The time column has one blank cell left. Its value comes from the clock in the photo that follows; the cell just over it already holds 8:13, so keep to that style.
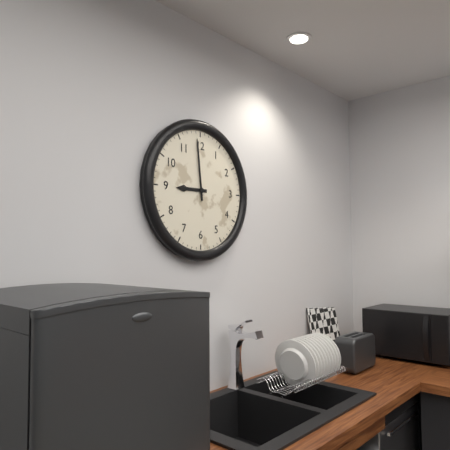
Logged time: 8:59
